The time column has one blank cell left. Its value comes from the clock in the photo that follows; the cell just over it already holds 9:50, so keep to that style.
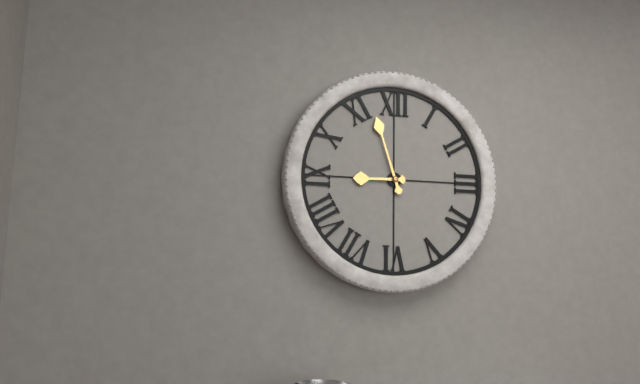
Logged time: 8:57
